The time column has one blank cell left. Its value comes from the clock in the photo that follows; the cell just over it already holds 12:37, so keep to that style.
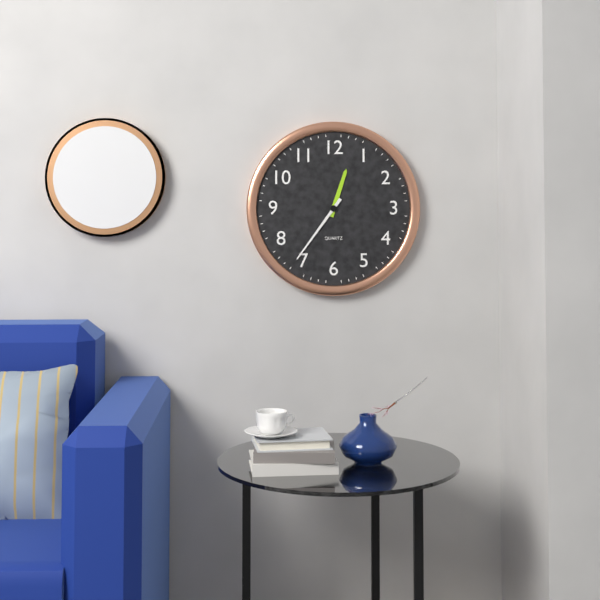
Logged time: 12:36
